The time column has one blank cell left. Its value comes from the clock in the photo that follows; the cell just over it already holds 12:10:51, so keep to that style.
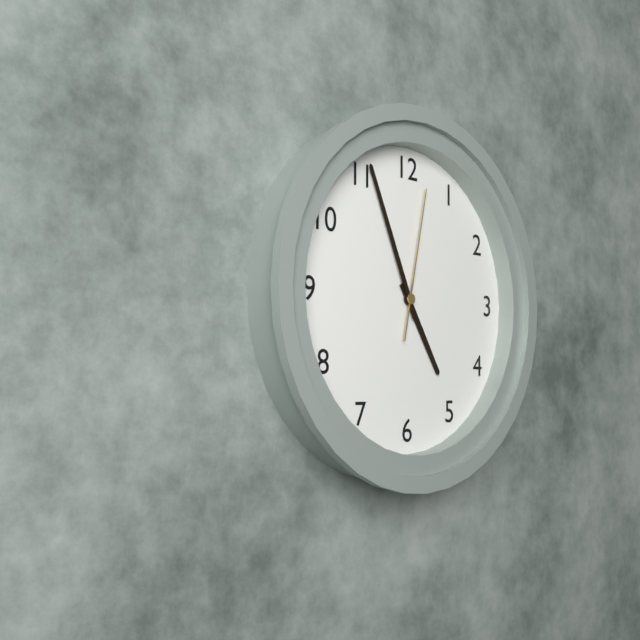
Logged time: 4:56:02
